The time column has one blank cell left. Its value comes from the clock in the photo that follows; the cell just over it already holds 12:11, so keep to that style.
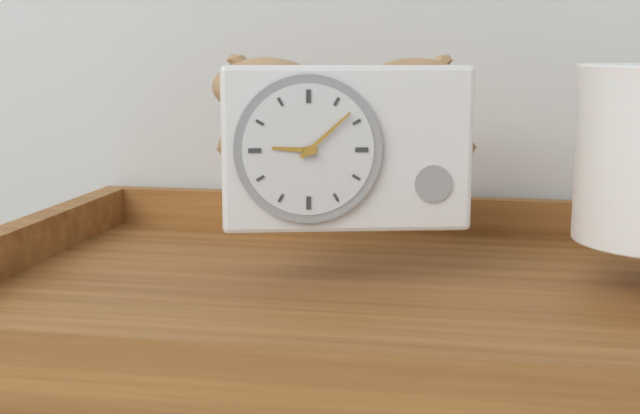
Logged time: 9:08
